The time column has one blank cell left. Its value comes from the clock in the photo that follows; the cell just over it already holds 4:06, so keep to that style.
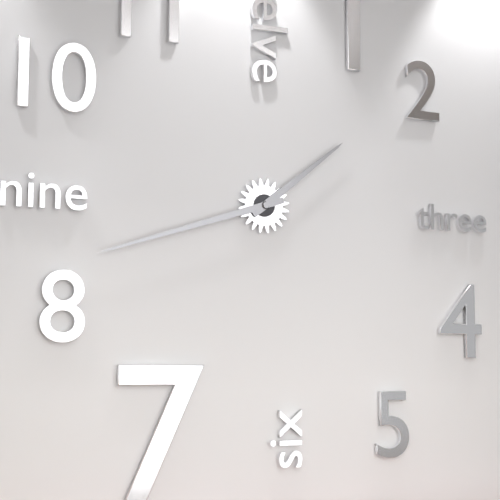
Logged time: 1:42
